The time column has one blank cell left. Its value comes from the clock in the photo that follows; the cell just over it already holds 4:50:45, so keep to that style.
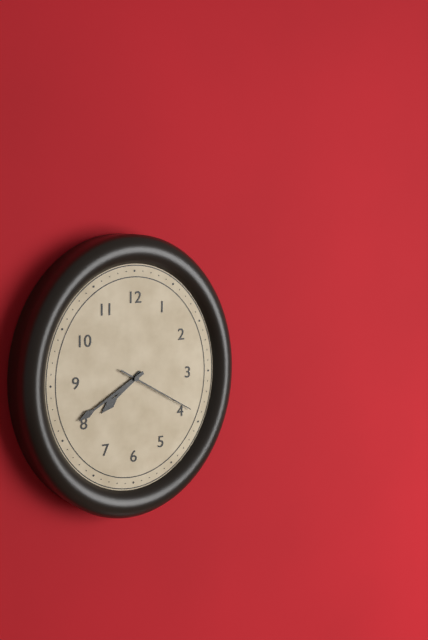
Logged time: 7:40:20
